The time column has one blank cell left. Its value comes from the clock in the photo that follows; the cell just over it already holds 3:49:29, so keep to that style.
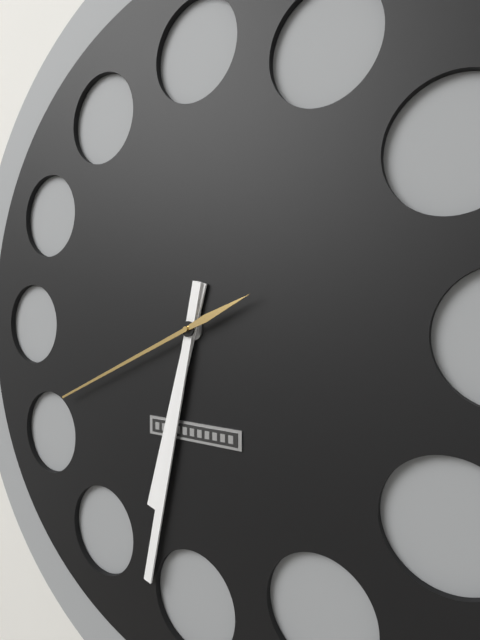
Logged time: 6:32:41
